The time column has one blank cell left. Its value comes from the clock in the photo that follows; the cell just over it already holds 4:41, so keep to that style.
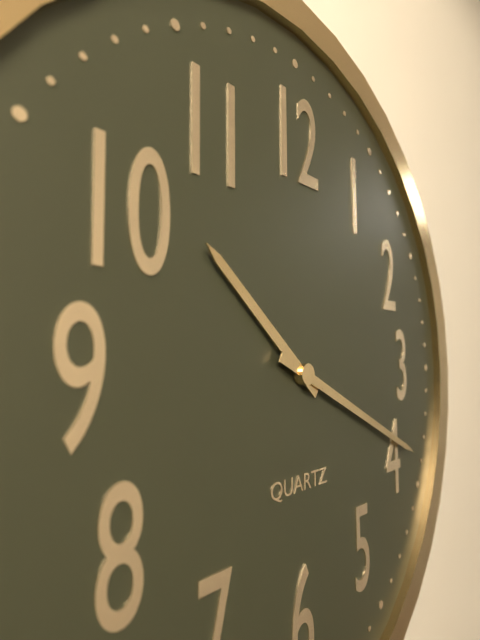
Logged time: 10:19
